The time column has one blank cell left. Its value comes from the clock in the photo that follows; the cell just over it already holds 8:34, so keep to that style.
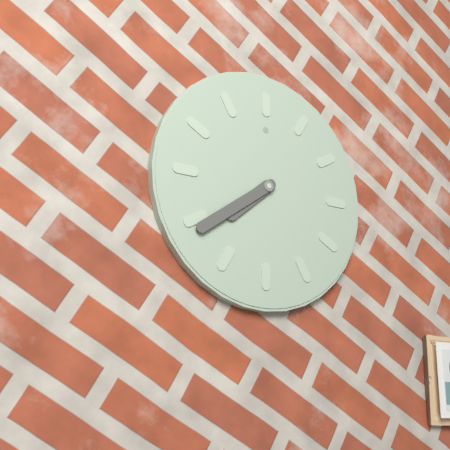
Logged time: 7:39
